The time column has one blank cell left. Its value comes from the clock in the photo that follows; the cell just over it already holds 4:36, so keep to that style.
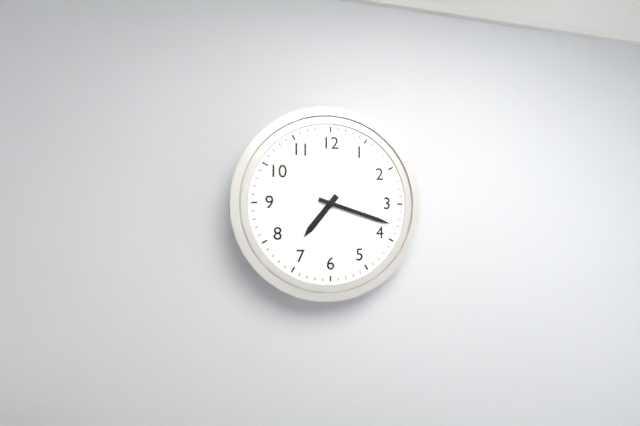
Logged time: 7:18
